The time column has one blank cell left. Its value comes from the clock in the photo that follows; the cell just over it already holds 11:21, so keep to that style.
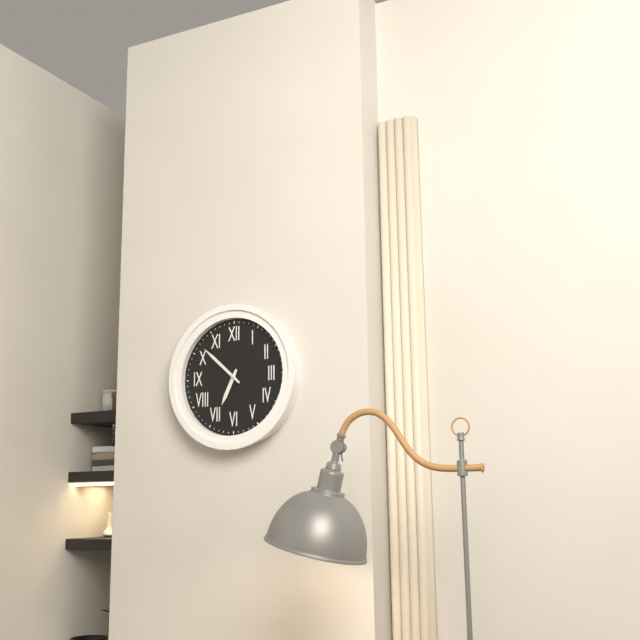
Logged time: 6:52
